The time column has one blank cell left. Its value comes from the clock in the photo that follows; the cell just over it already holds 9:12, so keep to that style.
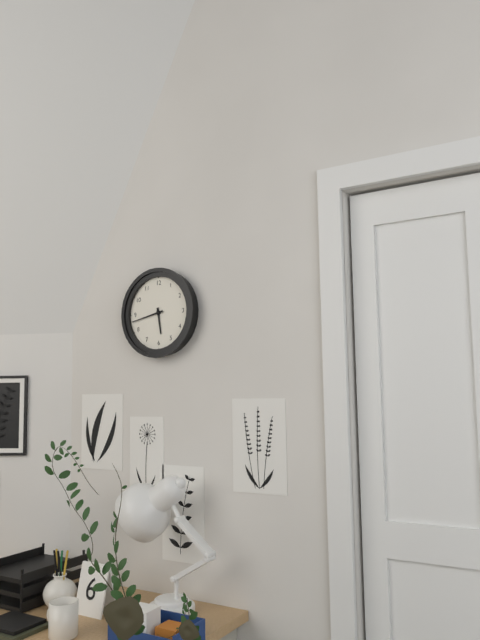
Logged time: 5:43
